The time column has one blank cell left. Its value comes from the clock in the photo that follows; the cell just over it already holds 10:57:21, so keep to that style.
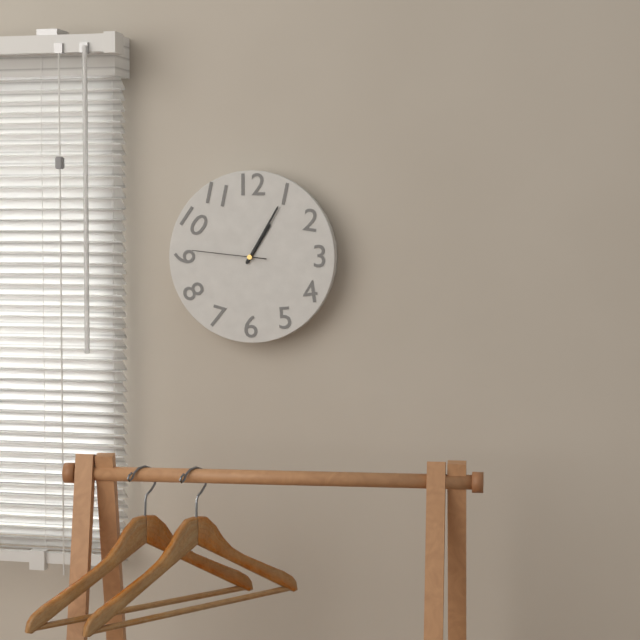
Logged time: 1:05:46
